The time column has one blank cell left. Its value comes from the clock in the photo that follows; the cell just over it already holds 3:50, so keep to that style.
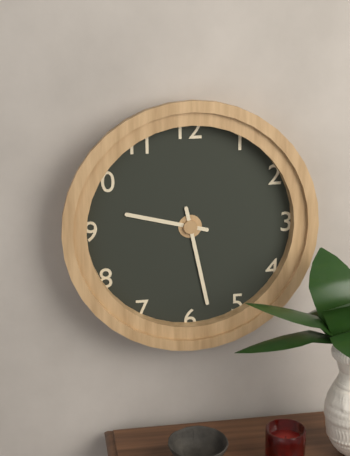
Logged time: 9:28
